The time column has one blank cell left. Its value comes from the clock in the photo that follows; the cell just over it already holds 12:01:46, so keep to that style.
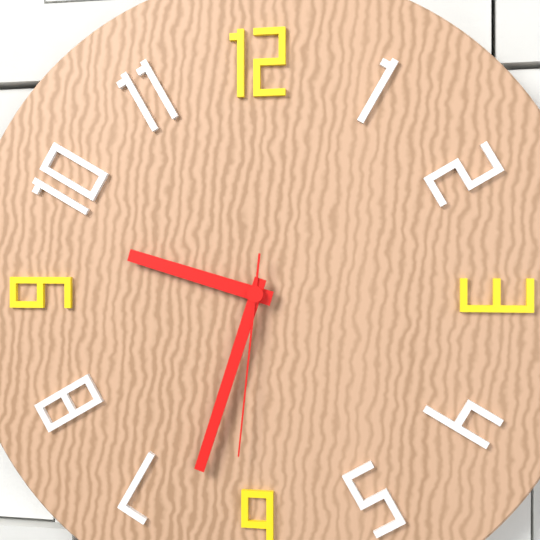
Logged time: 9:33:31
